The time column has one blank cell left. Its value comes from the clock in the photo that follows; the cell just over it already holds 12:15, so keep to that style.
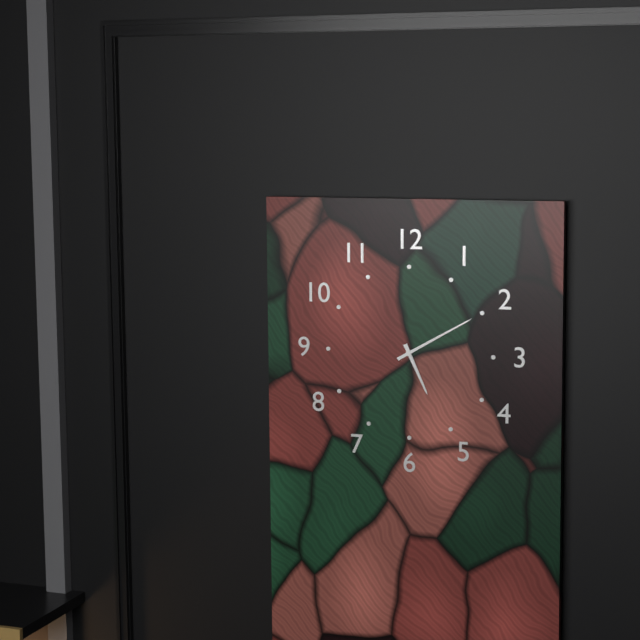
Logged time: 5:10
